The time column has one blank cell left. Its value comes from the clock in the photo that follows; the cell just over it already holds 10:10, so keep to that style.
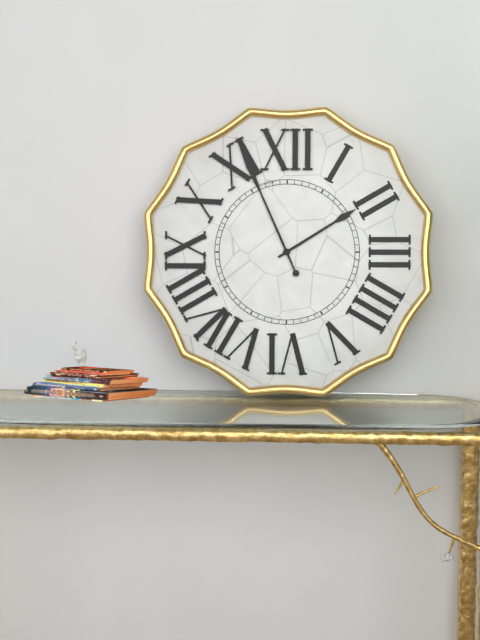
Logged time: 1:56
